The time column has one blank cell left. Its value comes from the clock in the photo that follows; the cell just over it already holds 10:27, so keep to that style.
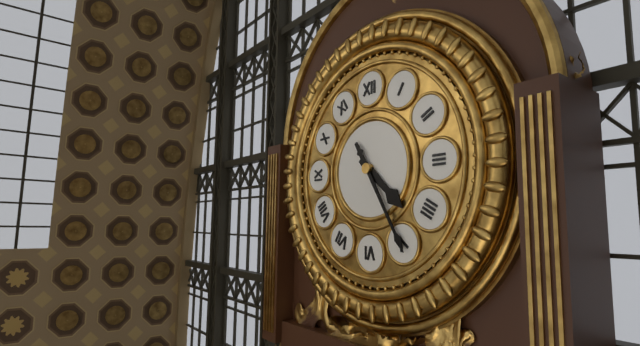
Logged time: 4:25
